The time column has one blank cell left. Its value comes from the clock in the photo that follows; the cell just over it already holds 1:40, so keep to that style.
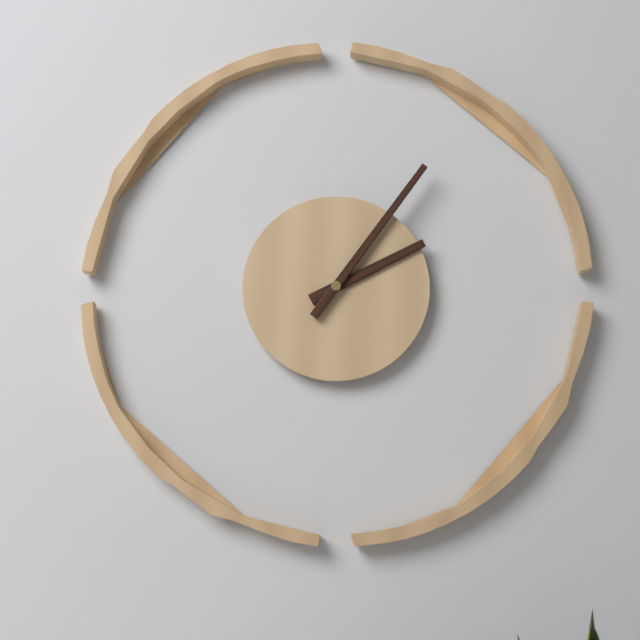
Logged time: 2:06
